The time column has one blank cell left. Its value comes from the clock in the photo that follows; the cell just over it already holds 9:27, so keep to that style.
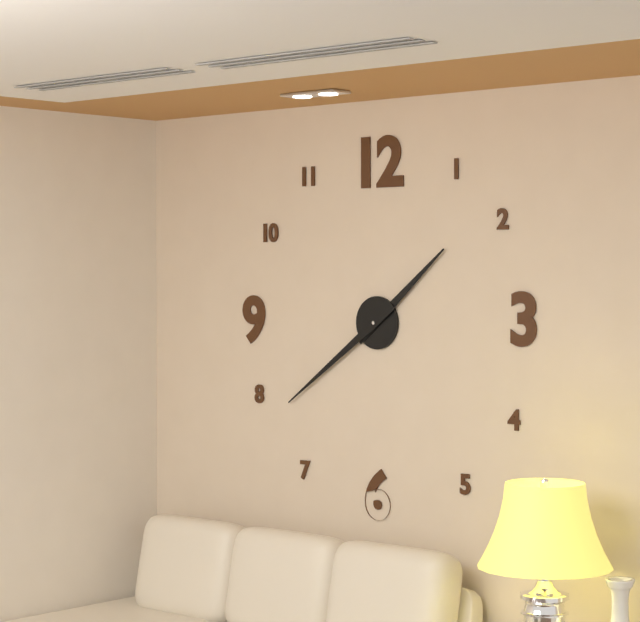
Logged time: 1:39
